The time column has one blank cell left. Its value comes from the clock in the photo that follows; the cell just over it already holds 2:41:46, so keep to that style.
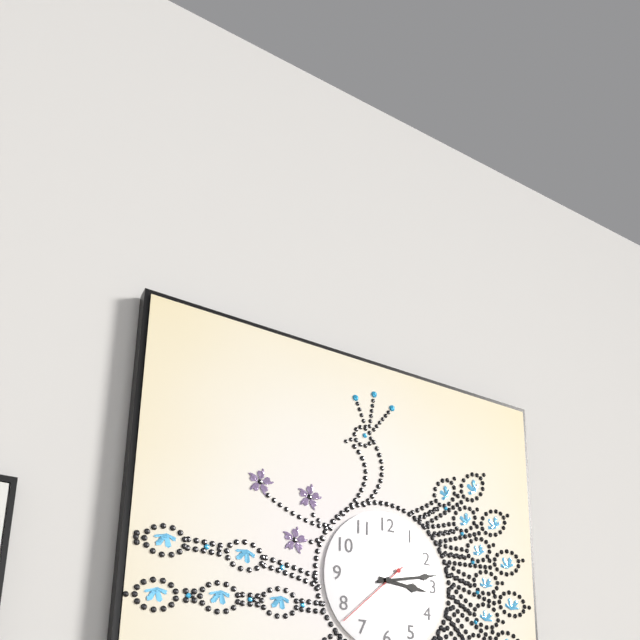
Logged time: 3:13:38
